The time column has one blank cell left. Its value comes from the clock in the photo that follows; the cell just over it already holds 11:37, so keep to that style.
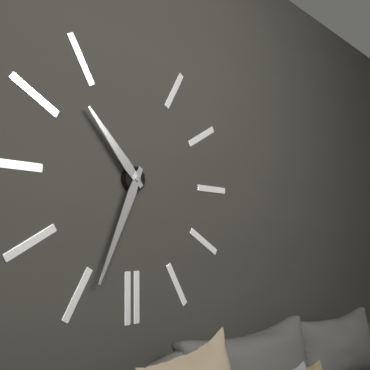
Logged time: 10:34
